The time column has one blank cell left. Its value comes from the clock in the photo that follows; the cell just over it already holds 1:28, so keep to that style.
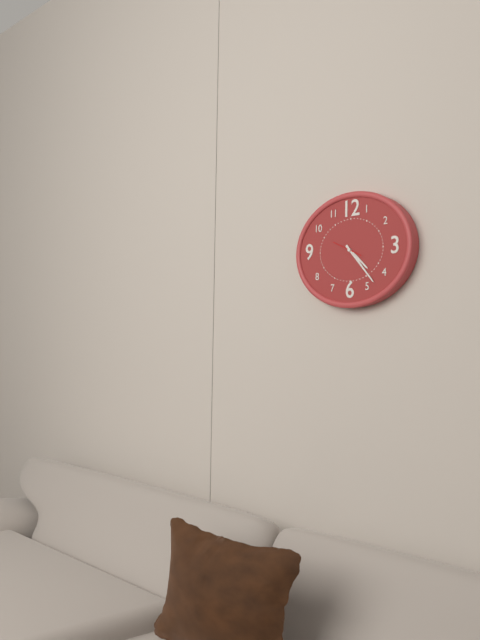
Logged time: 4:23
